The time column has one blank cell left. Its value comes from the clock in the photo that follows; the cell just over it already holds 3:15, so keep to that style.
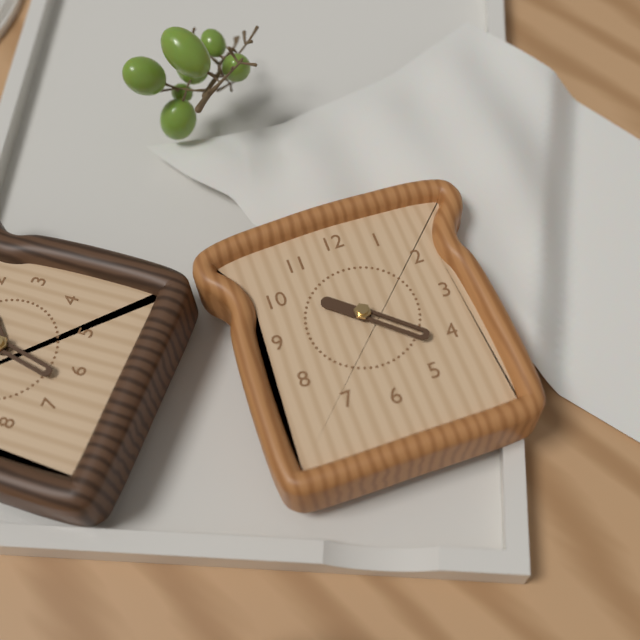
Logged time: 10:22
